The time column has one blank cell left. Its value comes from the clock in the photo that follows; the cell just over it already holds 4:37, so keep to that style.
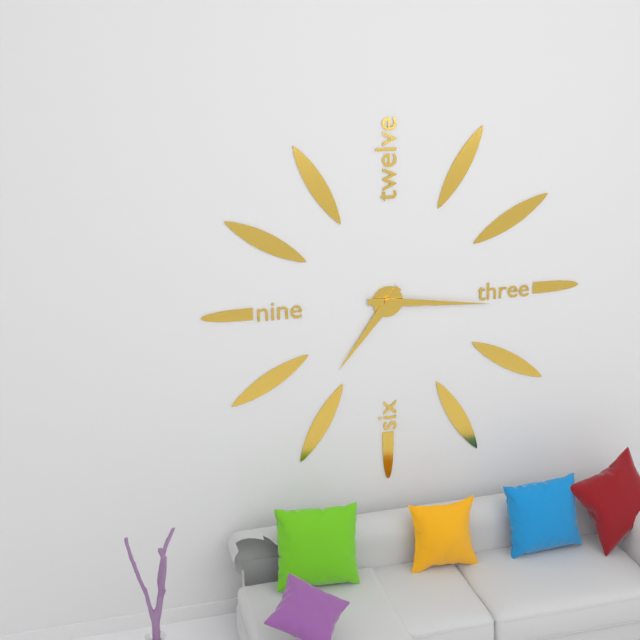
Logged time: 7:16
